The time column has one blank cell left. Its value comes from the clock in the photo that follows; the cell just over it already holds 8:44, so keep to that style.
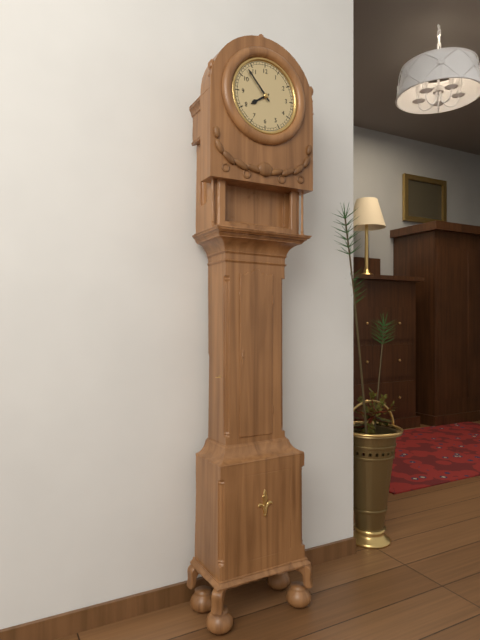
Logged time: 7:53
